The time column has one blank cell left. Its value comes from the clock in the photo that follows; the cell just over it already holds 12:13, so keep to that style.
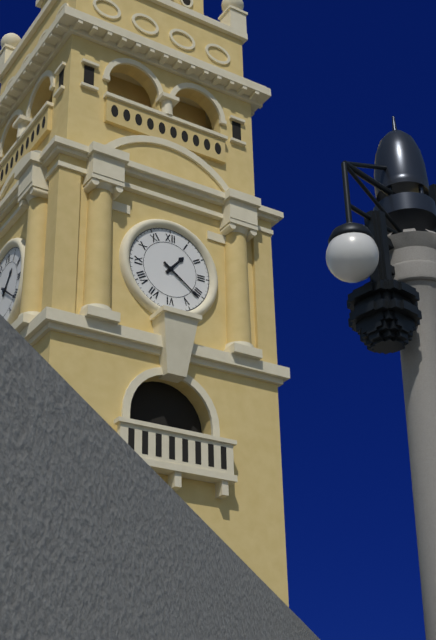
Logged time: 1:21
